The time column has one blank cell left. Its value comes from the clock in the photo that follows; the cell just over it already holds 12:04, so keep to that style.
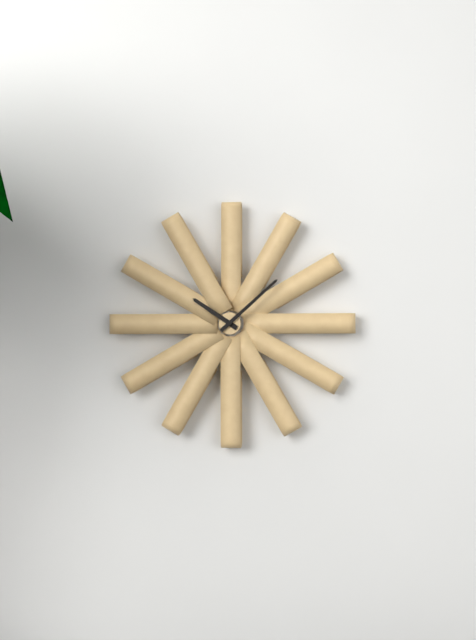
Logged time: 10:08
